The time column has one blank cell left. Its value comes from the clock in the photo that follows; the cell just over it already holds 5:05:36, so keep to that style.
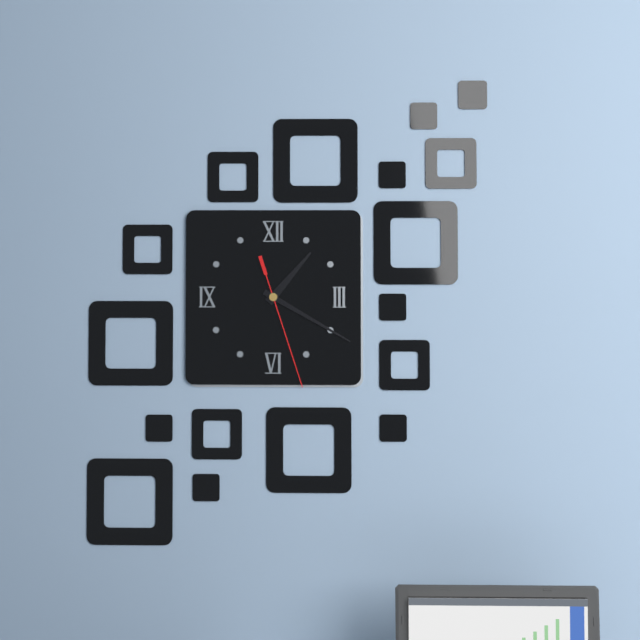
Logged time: 1:20:27
